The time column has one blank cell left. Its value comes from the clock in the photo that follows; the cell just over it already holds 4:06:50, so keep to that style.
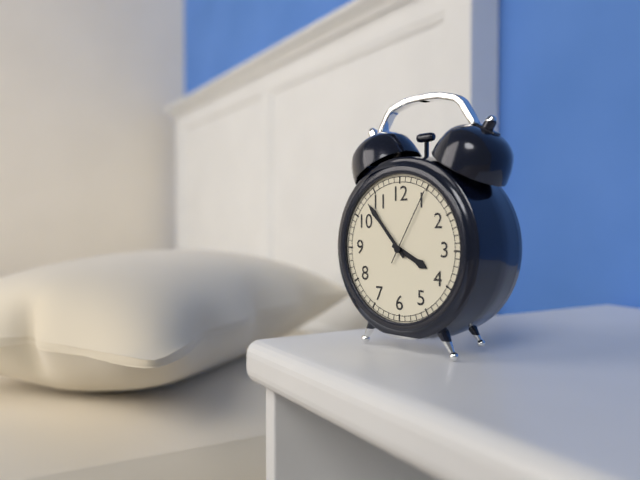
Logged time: 3:53:05
